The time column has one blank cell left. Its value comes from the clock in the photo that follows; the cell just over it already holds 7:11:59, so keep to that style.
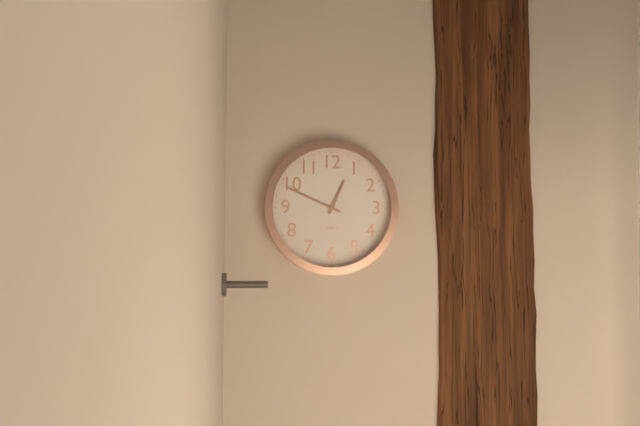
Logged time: 12:49:49
